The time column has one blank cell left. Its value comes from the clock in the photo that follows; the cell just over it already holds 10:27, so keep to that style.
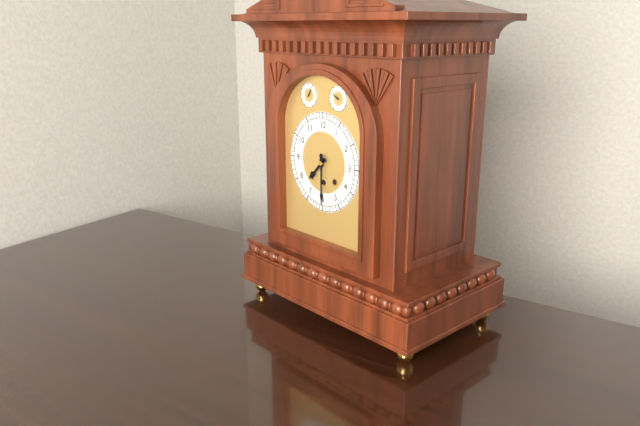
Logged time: 7:30
